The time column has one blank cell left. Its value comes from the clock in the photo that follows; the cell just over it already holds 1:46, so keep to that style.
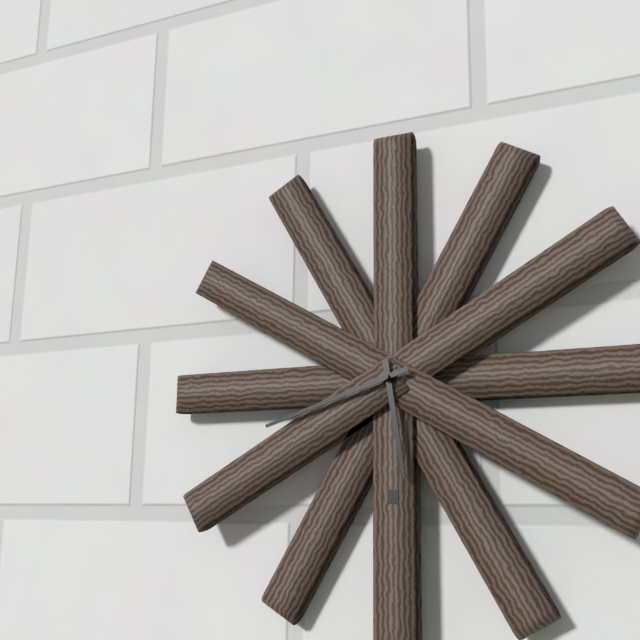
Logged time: 5:42
